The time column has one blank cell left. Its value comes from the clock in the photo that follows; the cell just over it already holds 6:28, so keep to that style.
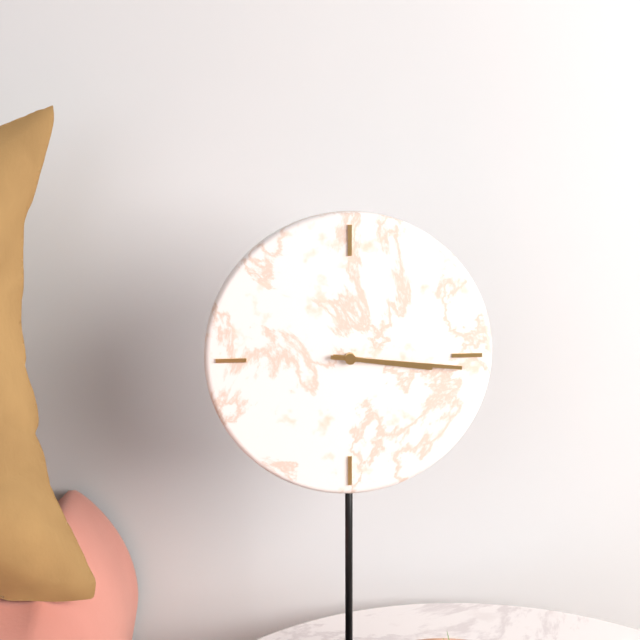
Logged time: 3:16
